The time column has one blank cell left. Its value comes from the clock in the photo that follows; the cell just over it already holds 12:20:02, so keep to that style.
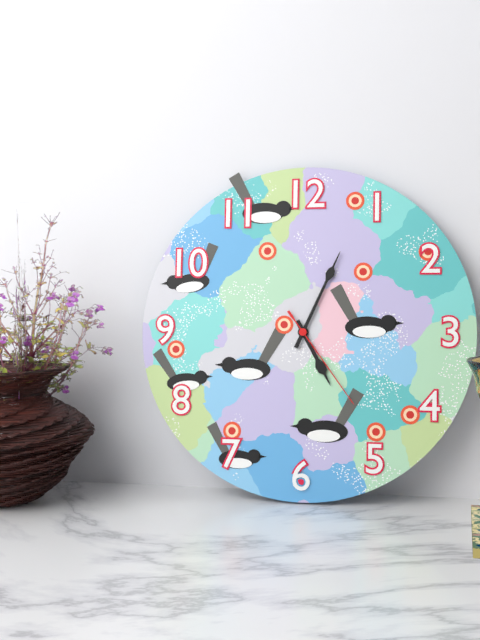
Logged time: 5:04:24
